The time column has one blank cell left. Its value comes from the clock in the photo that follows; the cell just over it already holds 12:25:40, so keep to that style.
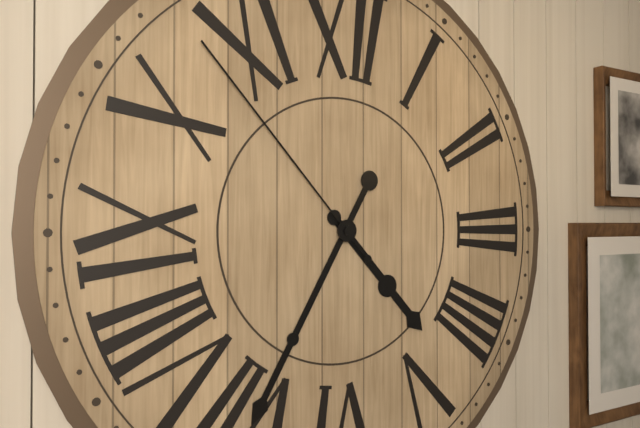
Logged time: 4:35:53
